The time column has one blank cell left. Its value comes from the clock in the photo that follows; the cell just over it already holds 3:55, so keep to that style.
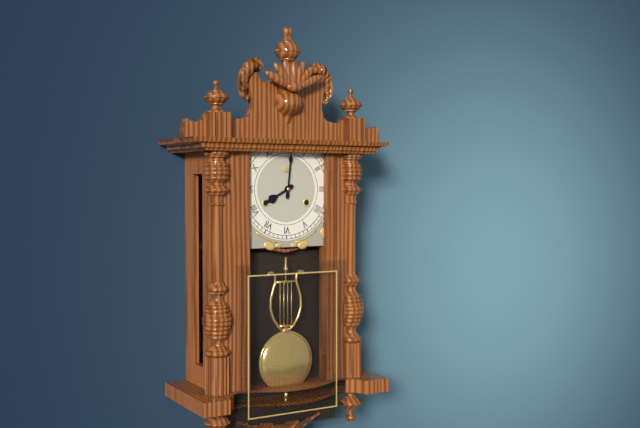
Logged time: 8:01
